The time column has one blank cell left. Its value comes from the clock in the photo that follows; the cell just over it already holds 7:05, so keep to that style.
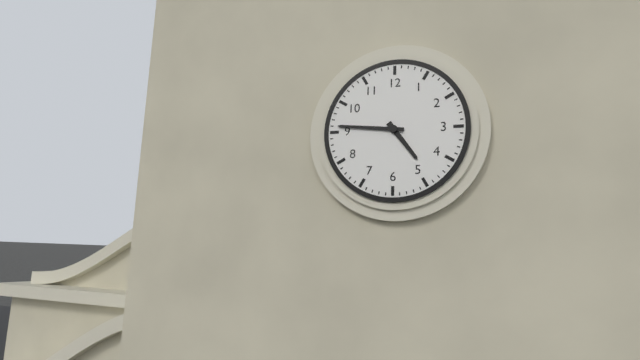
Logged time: 4:46
